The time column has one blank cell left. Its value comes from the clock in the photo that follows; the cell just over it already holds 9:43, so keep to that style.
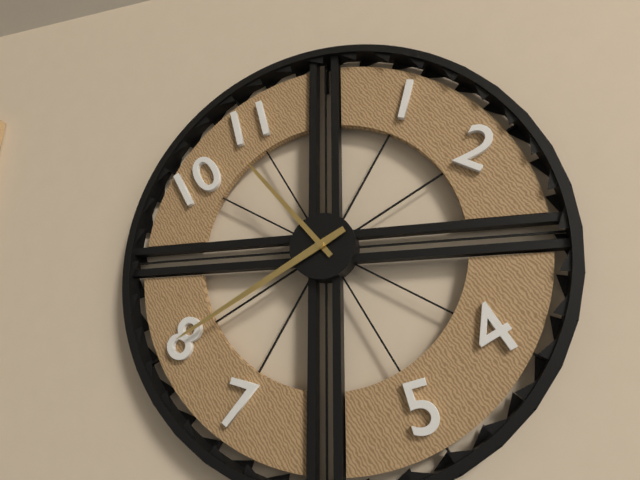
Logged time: 10:40
